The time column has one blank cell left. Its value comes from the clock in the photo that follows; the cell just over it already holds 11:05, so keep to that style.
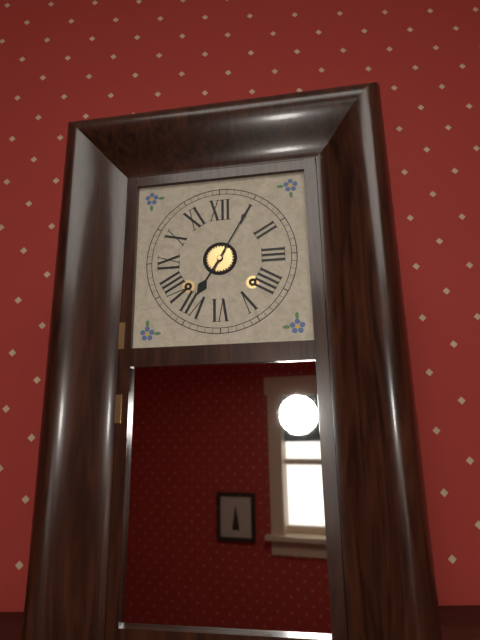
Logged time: 7:05
